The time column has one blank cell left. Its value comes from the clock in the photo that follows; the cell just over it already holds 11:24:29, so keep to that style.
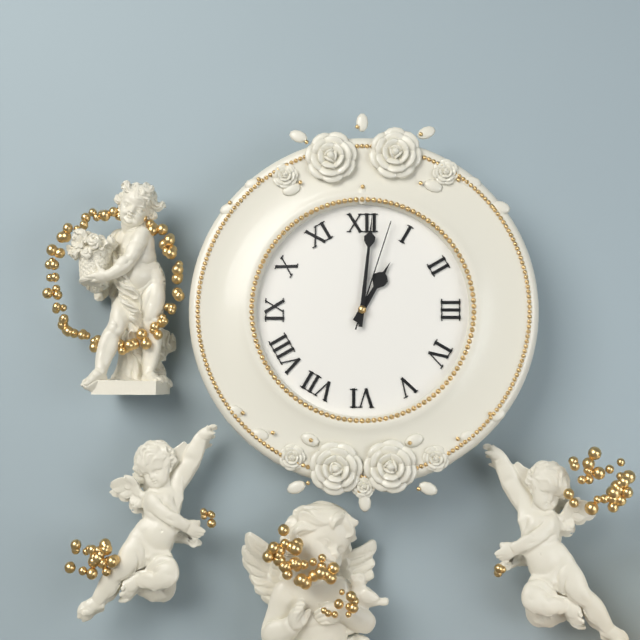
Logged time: 1:01:03
